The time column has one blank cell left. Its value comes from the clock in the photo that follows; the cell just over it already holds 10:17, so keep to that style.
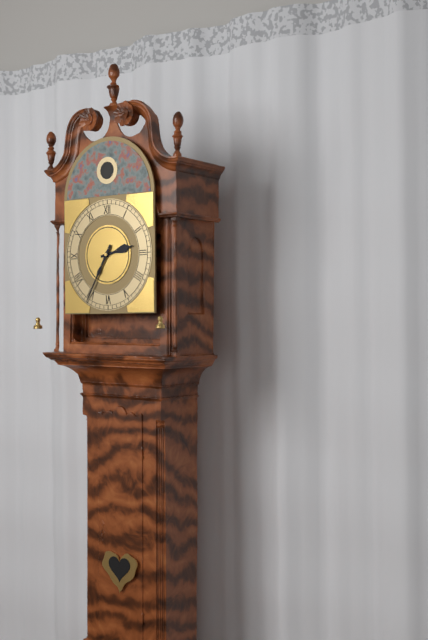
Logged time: 2:35
